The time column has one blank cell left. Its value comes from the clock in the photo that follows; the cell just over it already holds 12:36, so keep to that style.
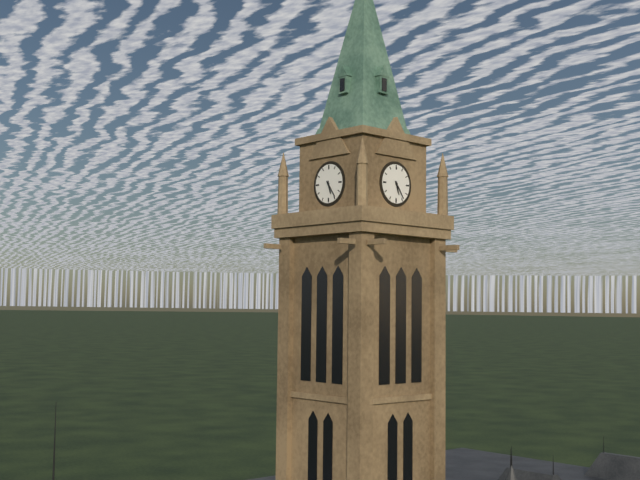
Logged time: 5:24
